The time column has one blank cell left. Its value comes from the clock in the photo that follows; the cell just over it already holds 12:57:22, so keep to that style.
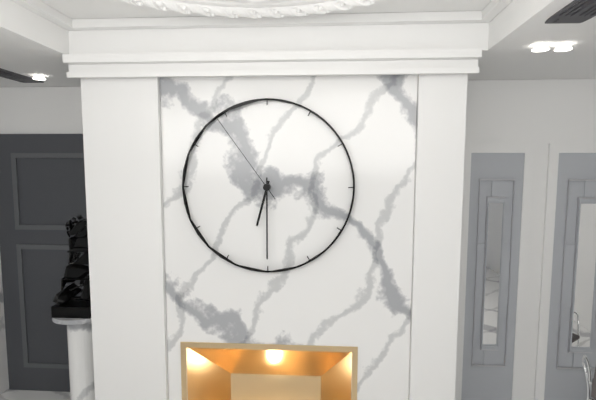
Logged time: 6:30:54
